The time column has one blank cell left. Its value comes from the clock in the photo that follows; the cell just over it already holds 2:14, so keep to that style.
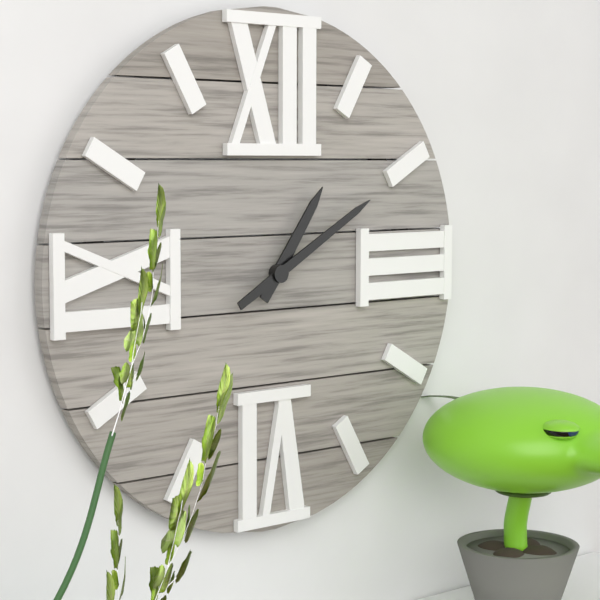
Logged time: 1:10
